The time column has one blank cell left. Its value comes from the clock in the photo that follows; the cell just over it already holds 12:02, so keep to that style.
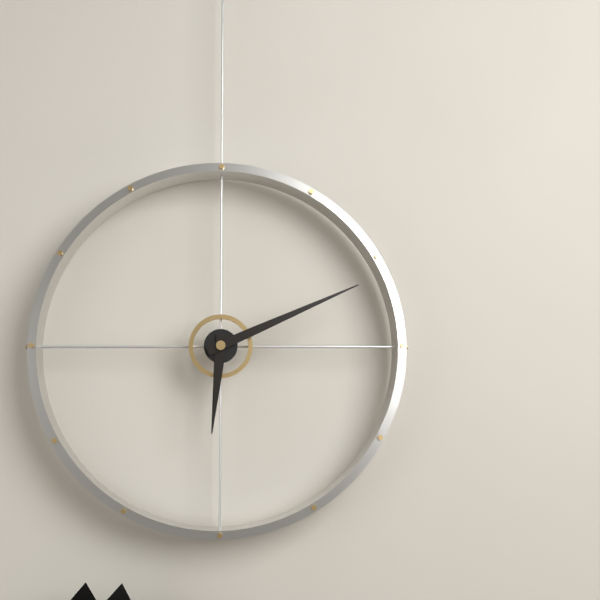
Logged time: 6:11
